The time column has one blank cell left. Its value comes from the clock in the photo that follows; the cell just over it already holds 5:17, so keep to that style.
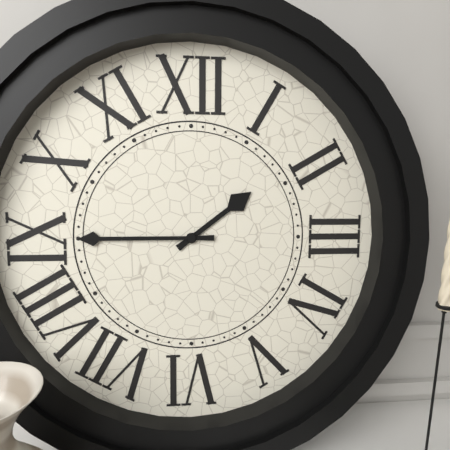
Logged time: 1:45
